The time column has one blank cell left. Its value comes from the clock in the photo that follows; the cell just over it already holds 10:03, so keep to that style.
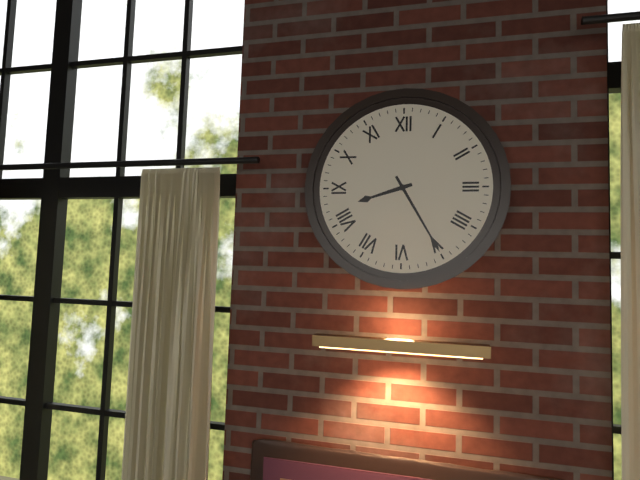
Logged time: 8:25
